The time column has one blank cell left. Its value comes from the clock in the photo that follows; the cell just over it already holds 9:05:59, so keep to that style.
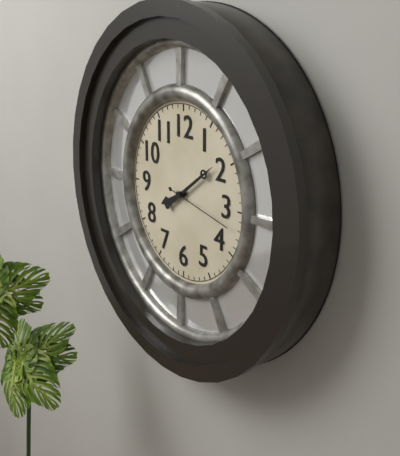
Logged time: 8:09:17
